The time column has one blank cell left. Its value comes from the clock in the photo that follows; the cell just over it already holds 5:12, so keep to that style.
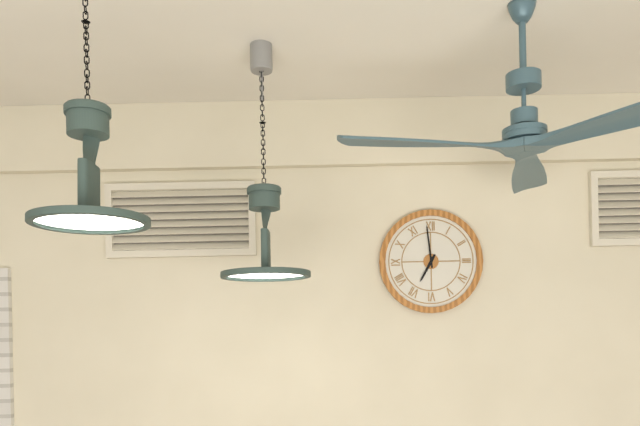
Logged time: 6:59
